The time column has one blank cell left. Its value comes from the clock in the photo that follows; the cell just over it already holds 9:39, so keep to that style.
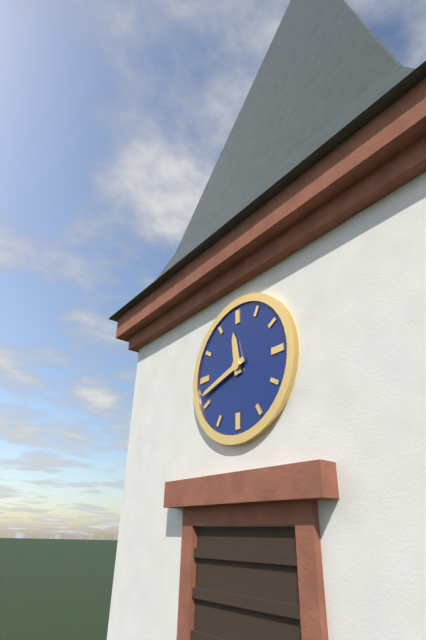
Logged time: 11:42
